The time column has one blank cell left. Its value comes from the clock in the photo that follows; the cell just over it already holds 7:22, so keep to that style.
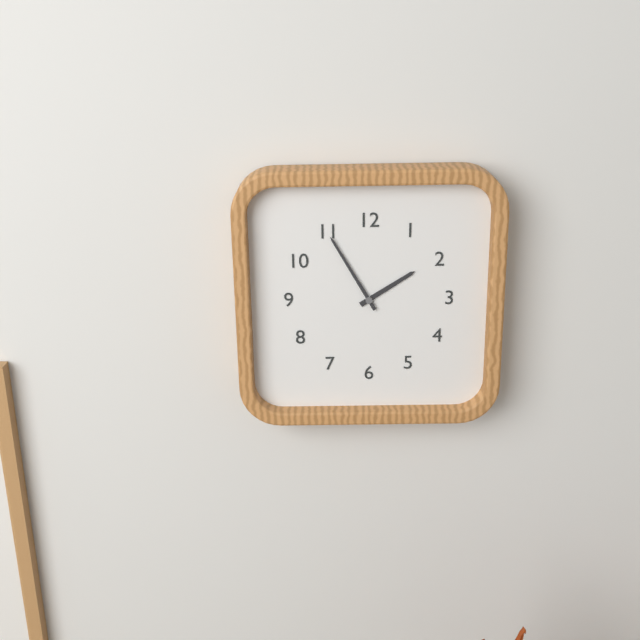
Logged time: 1:55
